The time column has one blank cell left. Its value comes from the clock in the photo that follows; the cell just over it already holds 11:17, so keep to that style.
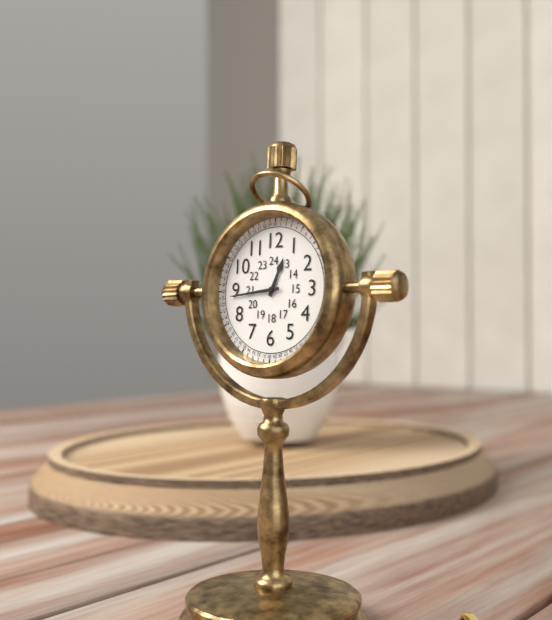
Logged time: 12:44
